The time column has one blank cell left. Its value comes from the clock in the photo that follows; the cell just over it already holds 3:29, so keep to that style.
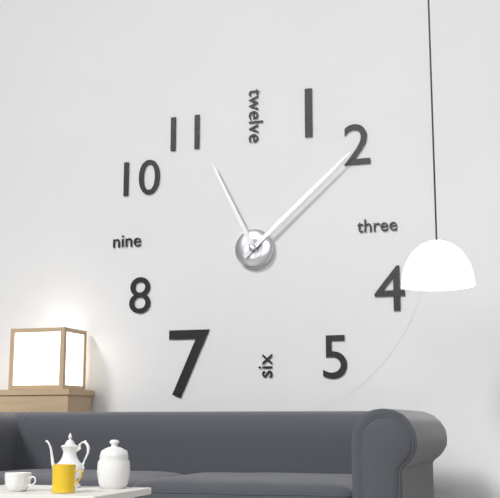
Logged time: 11:08
